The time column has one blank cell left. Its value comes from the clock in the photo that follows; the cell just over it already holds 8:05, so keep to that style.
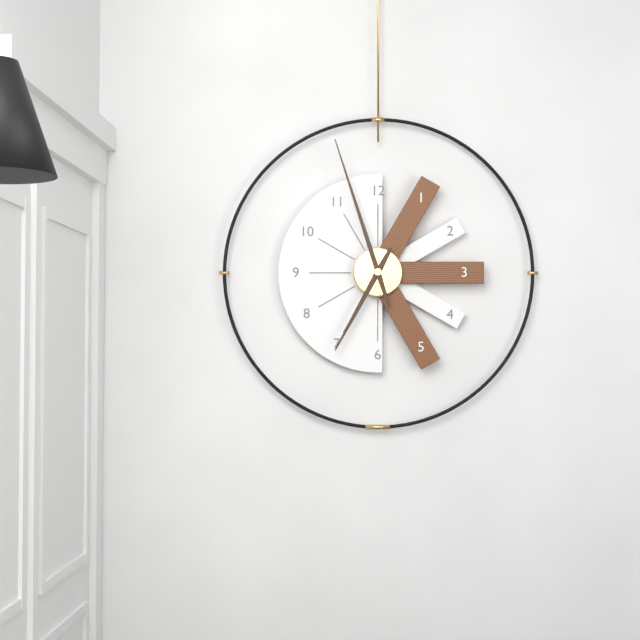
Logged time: 6:57
